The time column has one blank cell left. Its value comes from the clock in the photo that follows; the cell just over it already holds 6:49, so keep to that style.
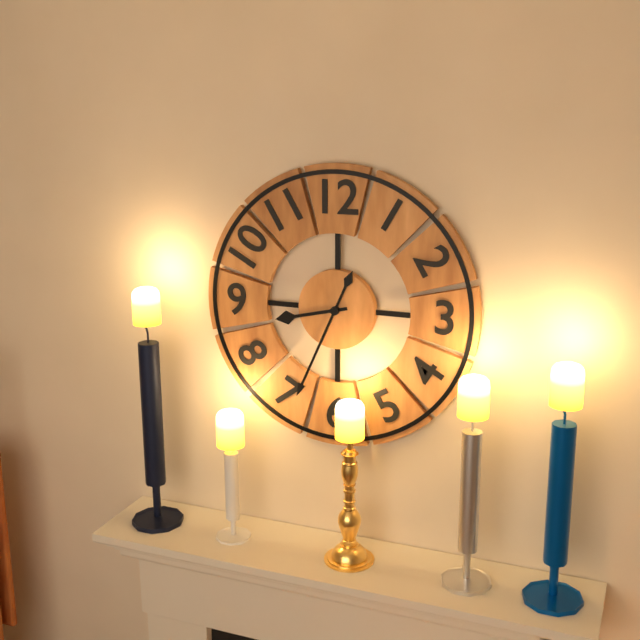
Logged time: 8:34
